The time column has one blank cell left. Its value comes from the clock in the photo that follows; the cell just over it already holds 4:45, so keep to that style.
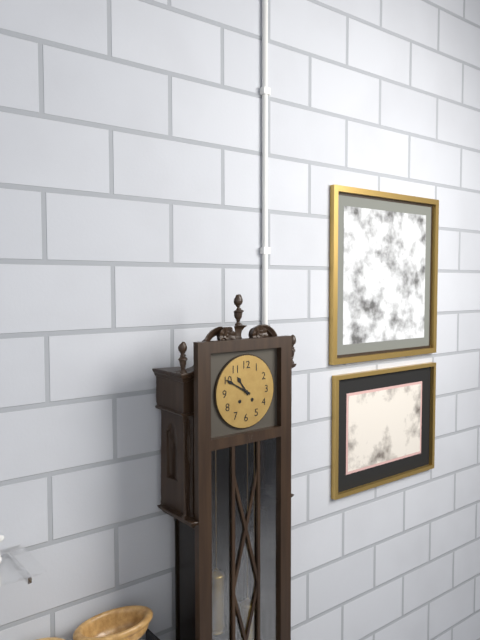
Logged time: 10:50
